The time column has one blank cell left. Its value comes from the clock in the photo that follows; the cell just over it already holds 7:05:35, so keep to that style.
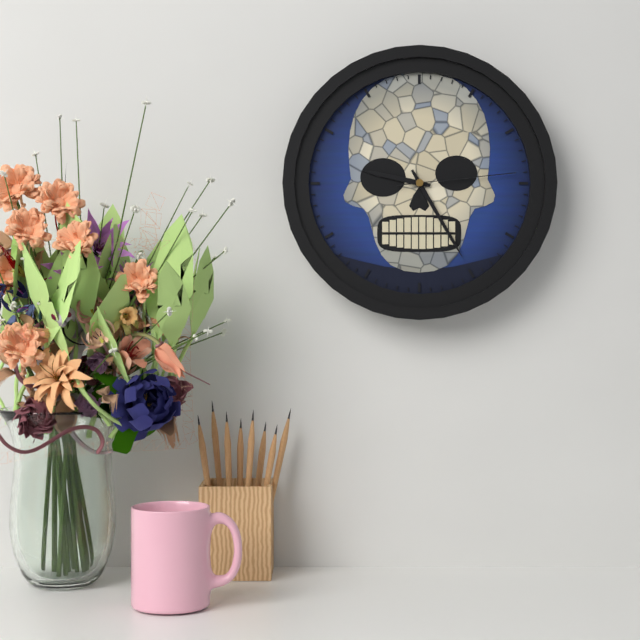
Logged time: 9:25:14
